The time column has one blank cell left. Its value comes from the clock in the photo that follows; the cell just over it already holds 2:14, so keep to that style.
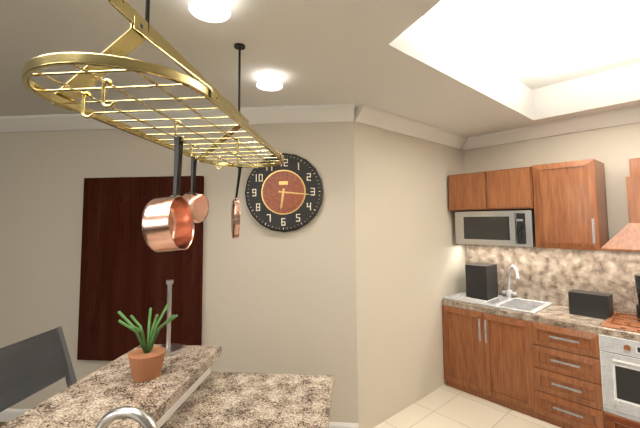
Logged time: 6:16
